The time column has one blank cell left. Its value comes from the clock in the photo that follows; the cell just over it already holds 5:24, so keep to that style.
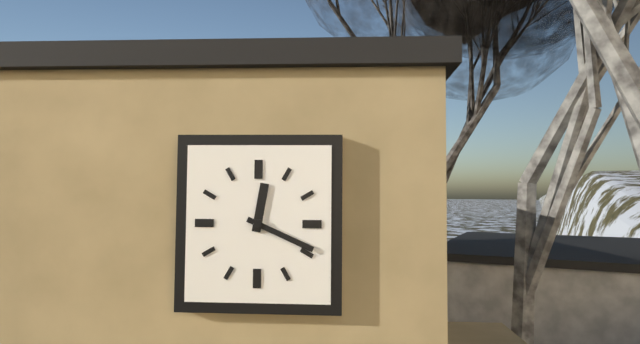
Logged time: 12:19
